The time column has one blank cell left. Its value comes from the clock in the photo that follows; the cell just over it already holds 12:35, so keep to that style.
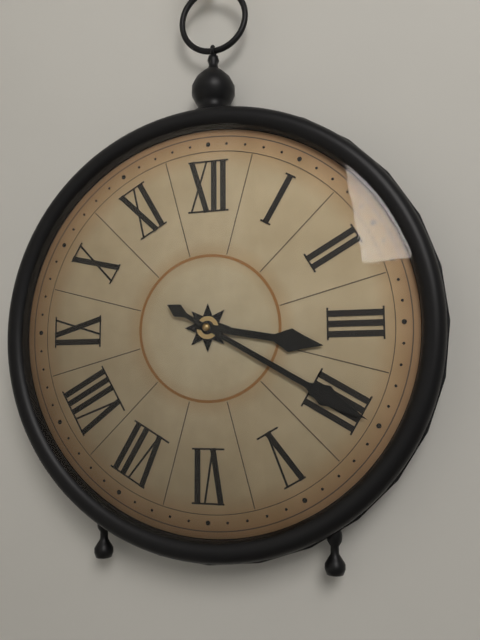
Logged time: 3:20
